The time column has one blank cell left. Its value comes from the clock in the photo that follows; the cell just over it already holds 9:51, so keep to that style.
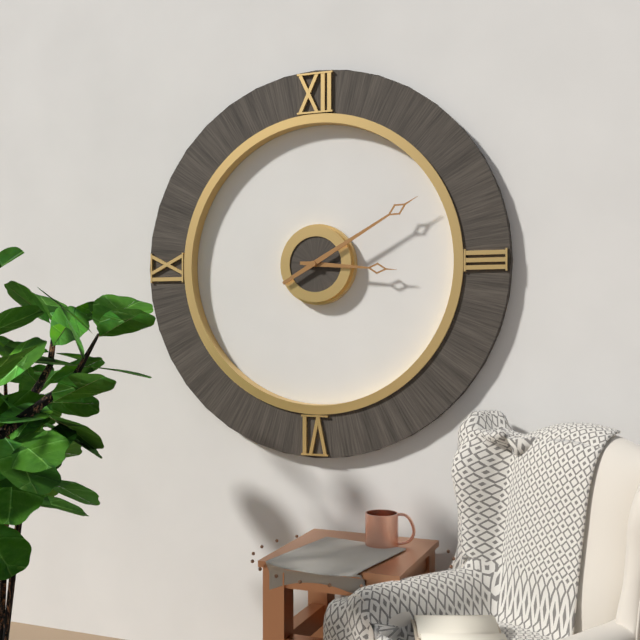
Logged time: 3:10
